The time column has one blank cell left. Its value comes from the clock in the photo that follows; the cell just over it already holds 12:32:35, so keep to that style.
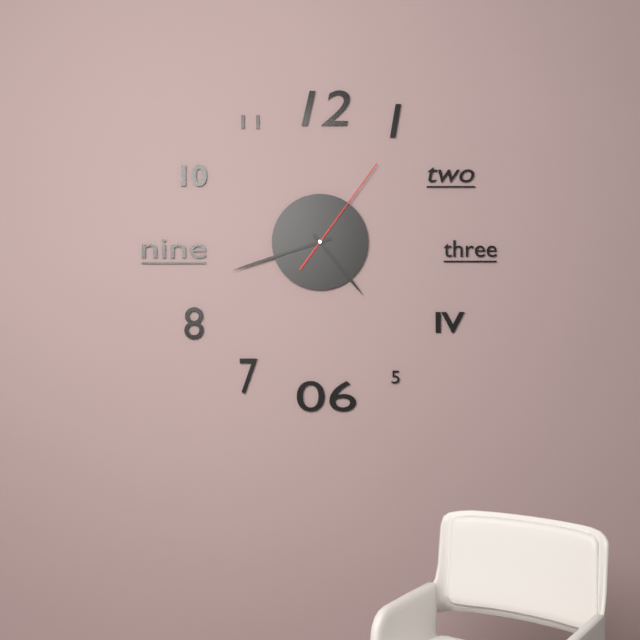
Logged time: 4:42:06
